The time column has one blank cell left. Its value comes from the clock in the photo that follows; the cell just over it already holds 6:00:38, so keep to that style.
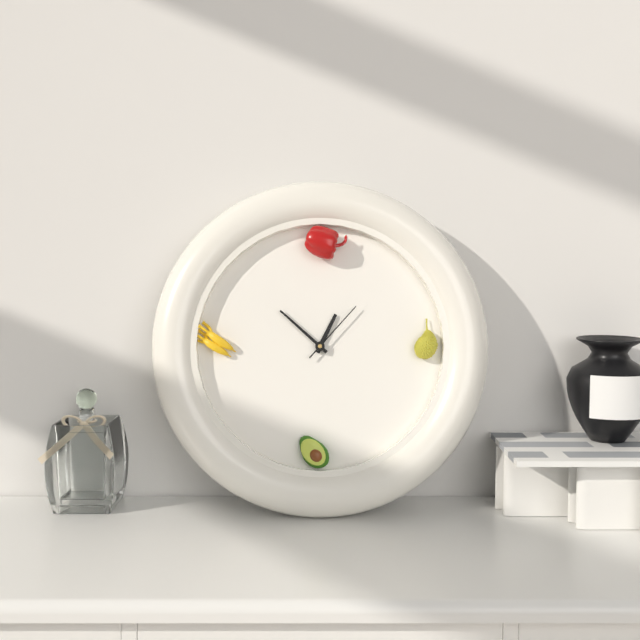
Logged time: 12:52:07
